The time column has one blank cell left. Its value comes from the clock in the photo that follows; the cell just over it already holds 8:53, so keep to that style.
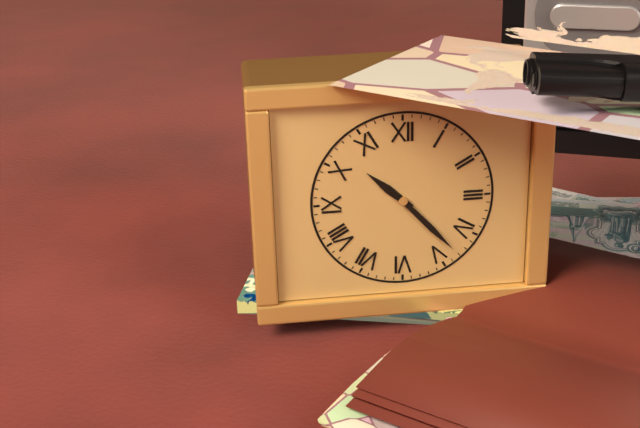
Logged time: 10:23
